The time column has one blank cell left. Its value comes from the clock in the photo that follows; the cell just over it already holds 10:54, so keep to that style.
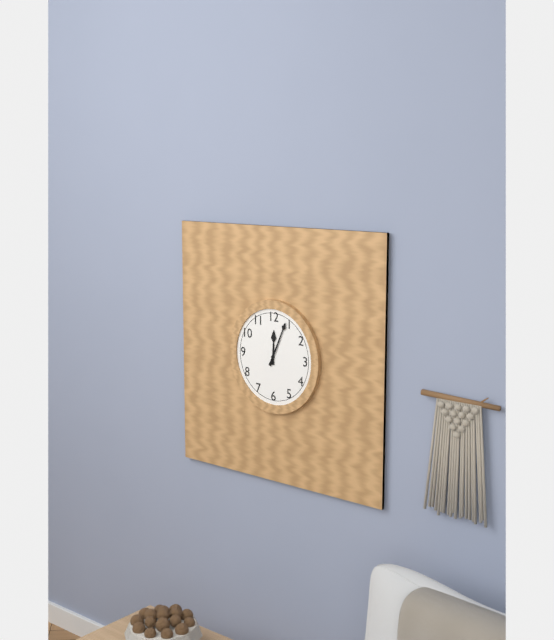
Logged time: 12:04
